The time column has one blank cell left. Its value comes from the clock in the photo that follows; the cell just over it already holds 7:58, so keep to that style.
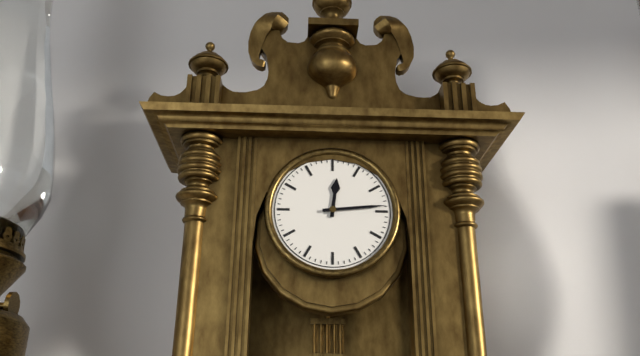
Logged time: 12:14
